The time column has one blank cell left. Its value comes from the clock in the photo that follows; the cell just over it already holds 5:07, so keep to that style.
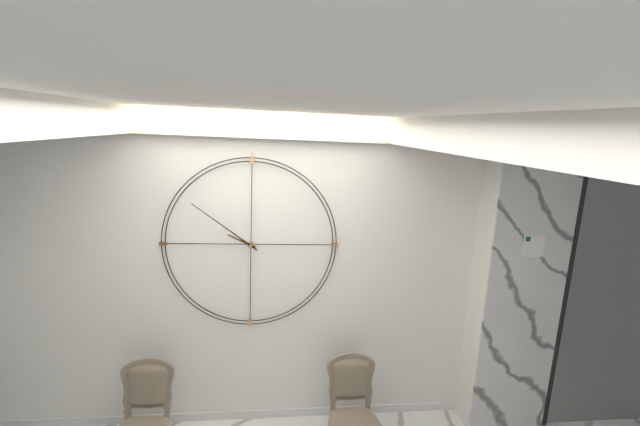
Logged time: 9:51
